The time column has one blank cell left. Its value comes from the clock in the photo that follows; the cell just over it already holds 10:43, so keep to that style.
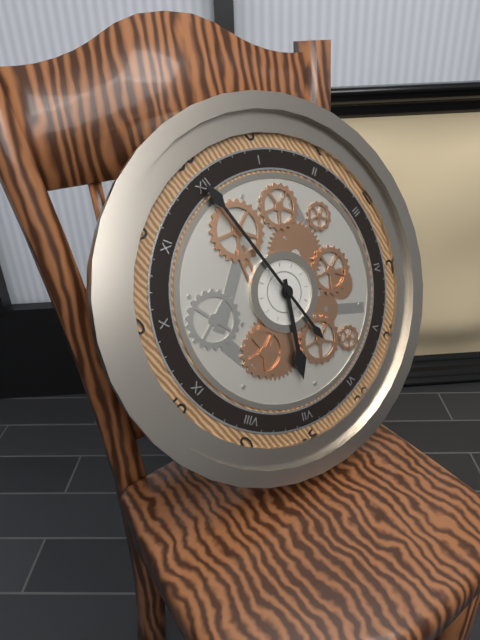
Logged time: 7:00
